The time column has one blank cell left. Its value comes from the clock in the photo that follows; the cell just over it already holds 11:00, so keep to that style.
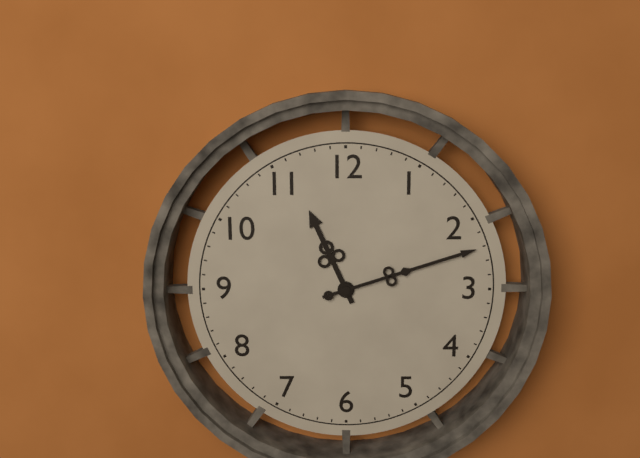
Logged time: 11:12
